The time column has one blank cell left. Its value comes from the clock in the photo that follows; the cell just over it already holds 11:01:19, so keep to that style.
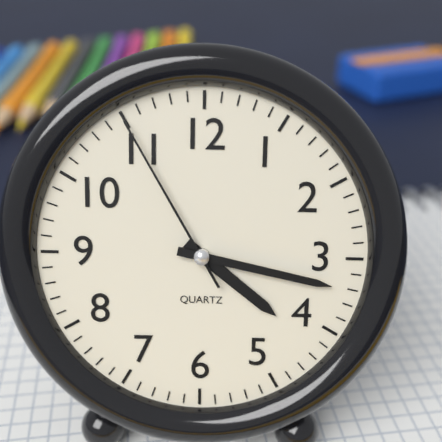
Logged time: 4:17:55
